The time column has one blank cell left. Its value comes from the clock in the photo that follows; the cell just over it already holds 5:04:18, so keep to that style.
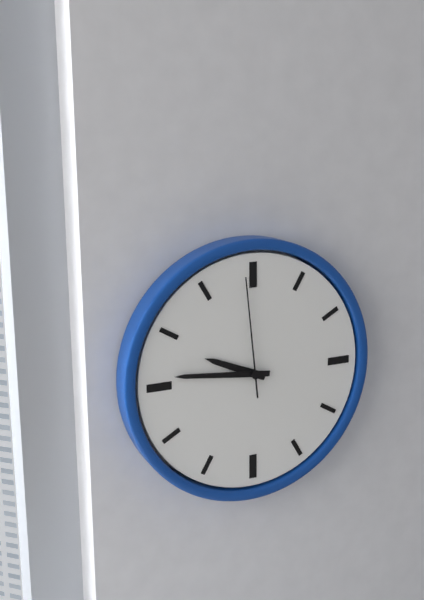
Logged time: 9:46:59
